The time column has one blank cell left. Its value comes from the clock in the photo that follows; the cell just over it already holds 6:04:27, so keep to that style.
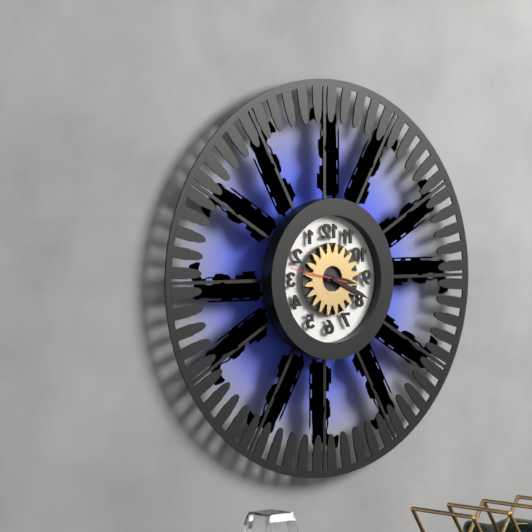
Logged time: 3:19:47
